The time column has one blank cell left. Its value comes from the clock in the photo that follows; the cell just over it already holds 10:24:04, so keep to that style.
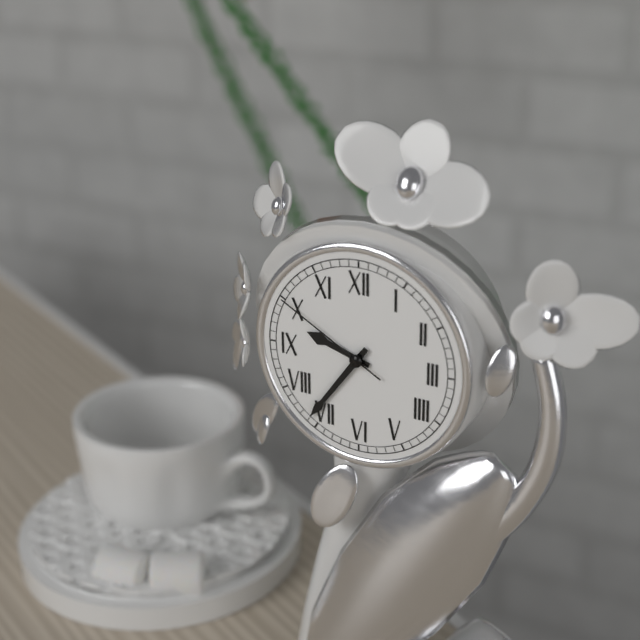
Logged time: 9:36:50
